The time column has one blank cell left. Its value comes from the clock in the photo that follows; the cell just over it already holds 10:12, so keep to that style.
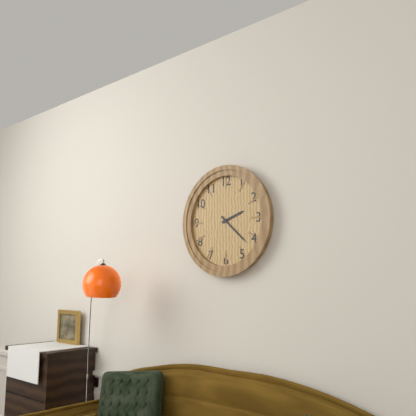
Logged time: 2:22
